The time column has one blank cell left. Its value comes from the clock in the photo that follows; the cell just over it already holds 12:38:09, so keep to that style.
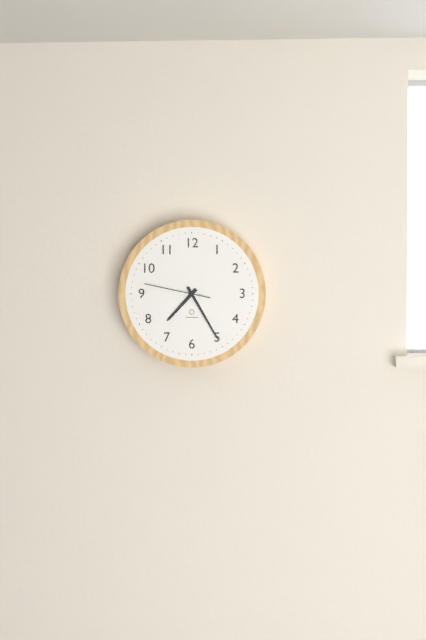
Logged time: 7:25:47
